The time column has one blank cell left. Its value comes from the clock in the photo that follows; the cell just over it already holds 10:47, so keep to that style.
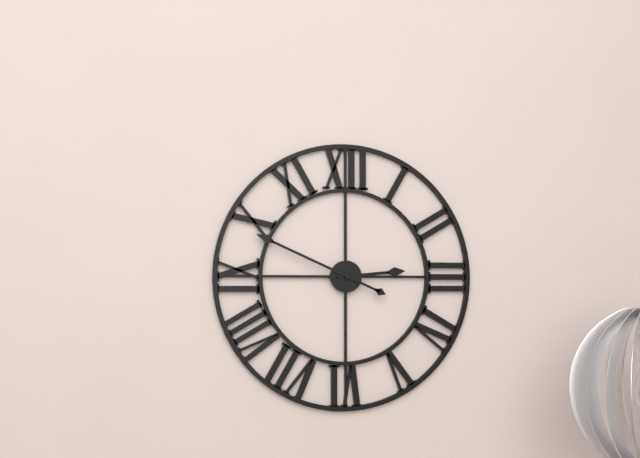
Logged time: 2:49
